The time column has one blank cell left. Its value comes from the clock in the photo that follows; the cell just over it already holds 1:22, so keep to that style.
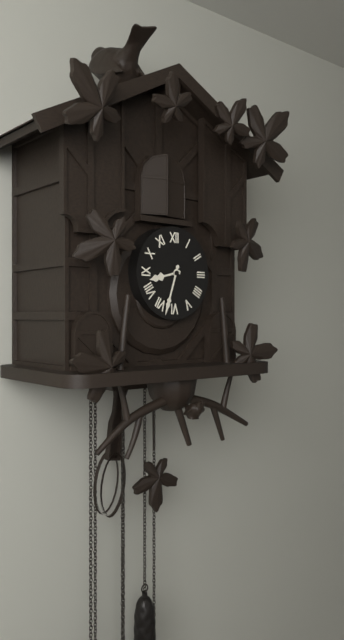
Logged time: 8:33
